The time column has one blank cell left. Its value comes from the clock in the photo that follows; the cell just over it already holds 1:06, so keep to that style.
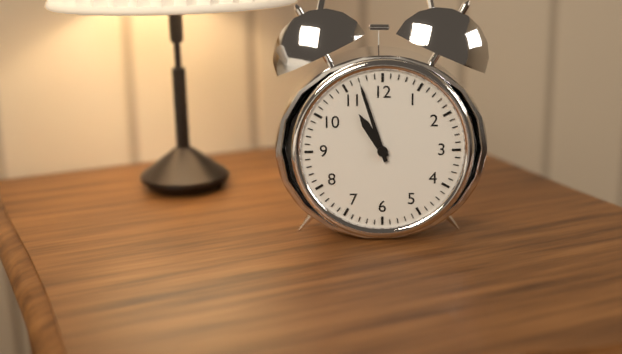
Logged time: 10:57
